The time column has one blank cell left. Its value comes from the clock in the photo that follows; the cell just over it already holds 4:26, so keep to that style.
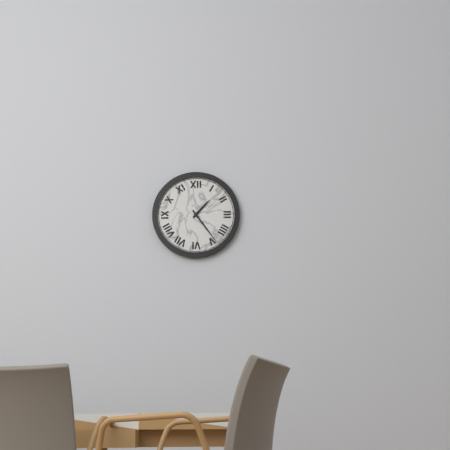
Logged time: 1:24
